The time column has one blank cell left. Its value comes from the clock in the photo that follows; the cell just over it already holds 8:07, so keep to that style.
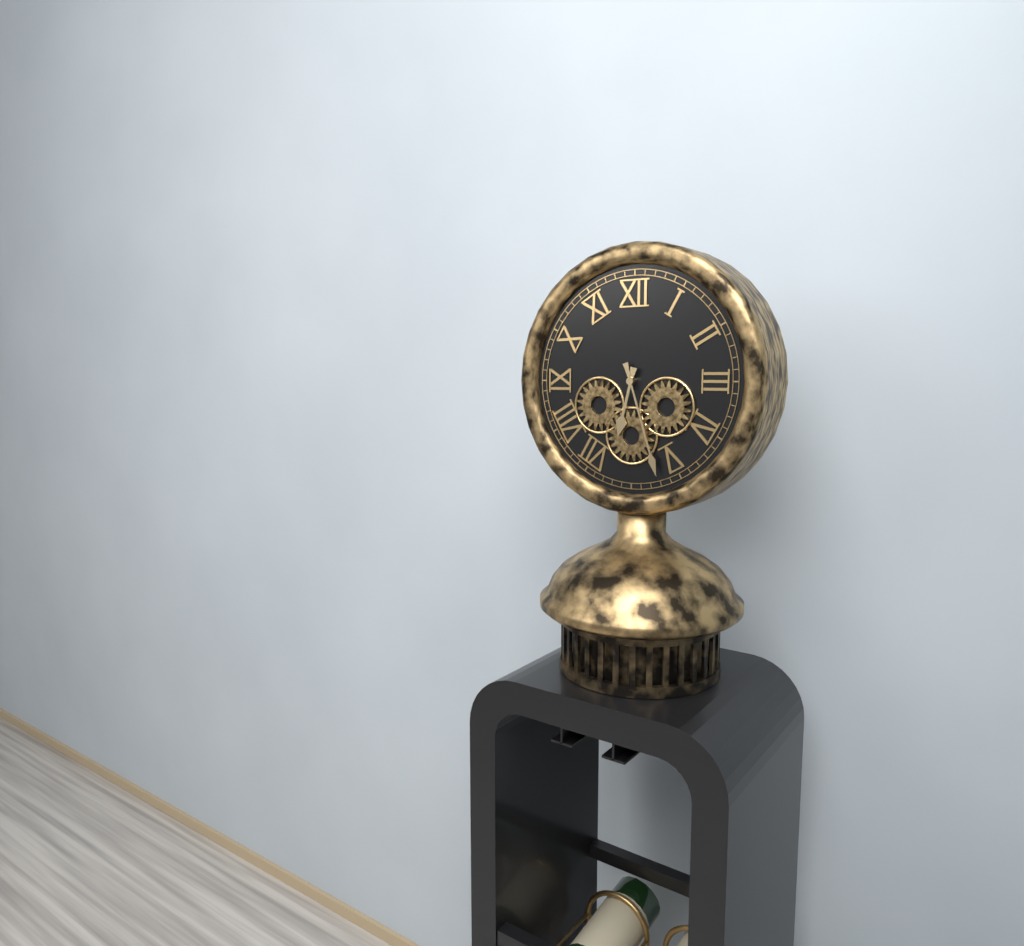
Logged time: 6:27
